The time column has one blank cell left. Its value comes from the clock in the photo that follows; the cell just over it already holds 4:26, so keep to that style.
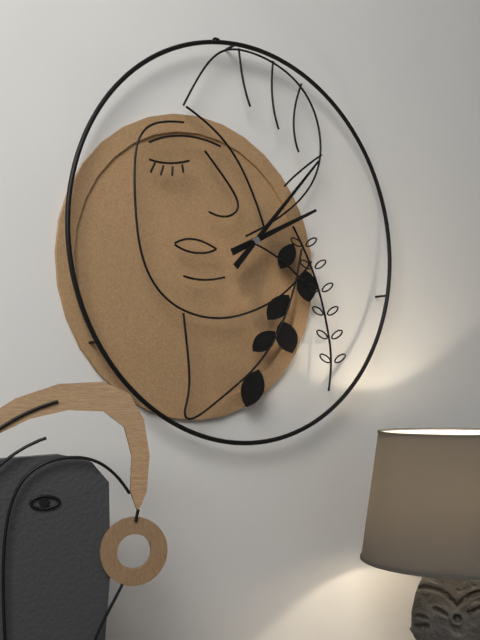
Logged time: 2:07
